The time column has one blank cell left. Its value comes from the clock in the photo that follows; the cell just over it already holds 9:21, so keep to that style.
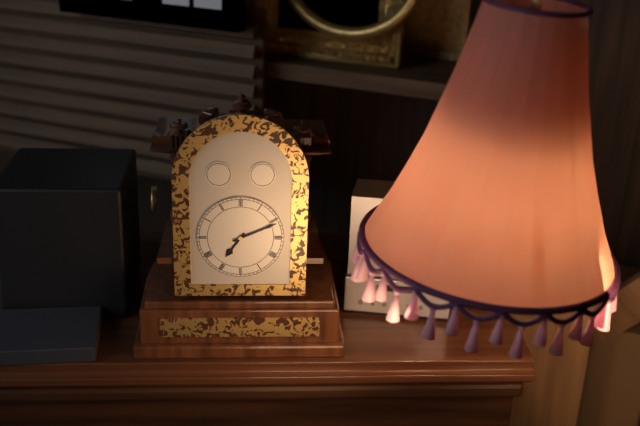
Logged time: 7:11
